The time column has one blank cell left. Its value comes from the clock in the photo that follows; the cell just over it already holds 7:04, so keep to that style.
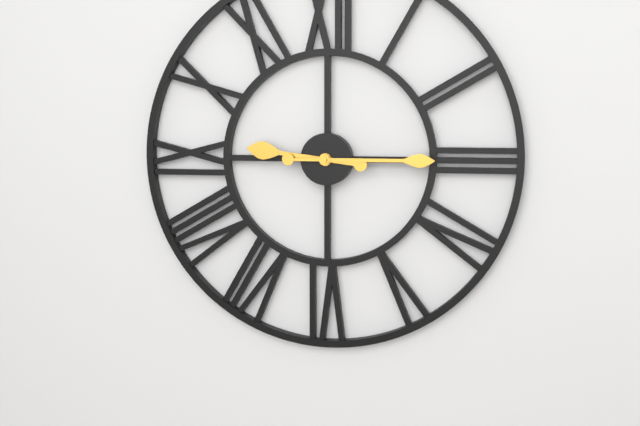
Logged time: 9:15
